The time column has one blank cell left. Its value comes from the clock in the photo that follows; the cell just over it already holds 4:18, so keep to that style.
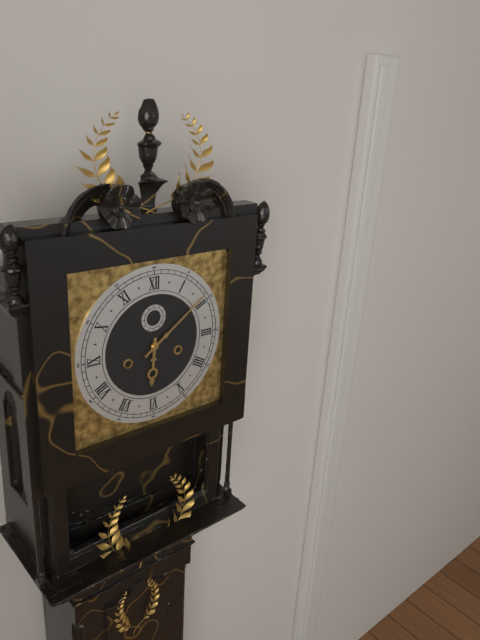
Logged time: 6:09
